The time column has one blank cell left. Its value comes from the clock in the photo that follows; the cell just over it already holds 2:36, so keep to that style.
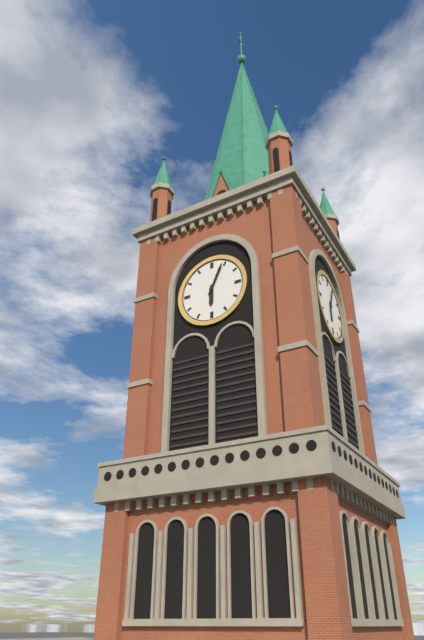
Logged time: 6:04
